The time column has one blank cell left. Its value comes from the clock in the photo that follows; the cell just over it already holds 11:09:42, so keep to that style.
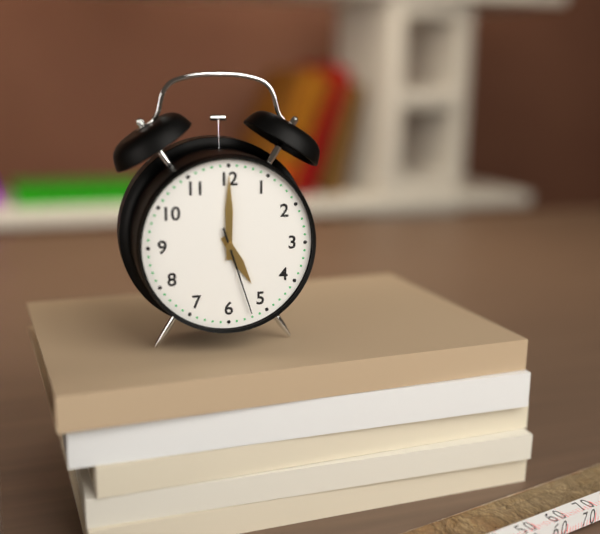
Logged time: 5:00:27
